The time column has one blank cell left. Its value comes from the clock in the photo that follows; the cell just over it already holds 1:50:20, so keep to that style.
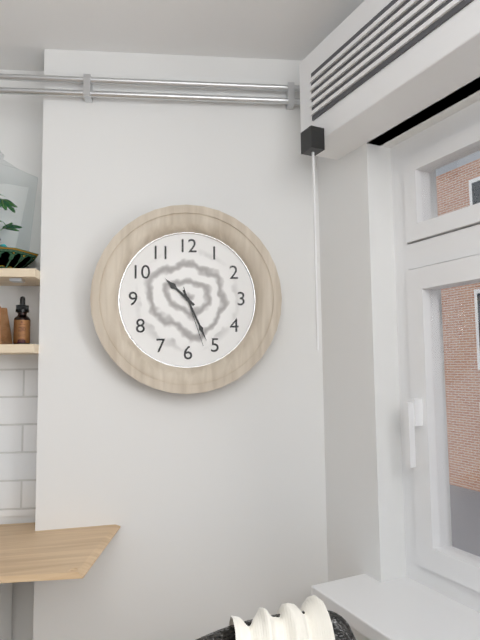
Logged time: 10:26:27
